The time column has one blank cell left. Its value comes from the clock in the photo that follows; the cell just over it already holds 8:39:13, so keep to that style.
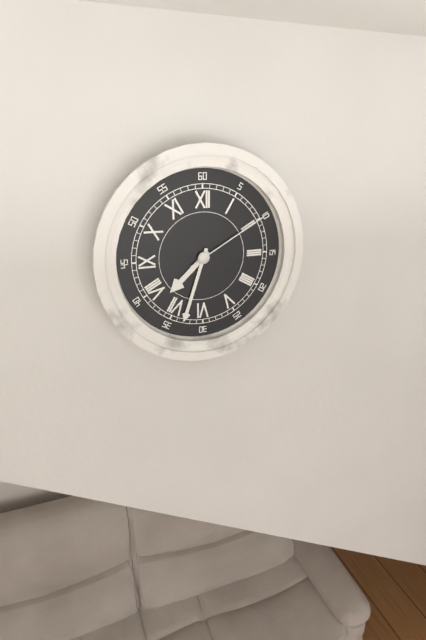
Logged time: 7:33:10
